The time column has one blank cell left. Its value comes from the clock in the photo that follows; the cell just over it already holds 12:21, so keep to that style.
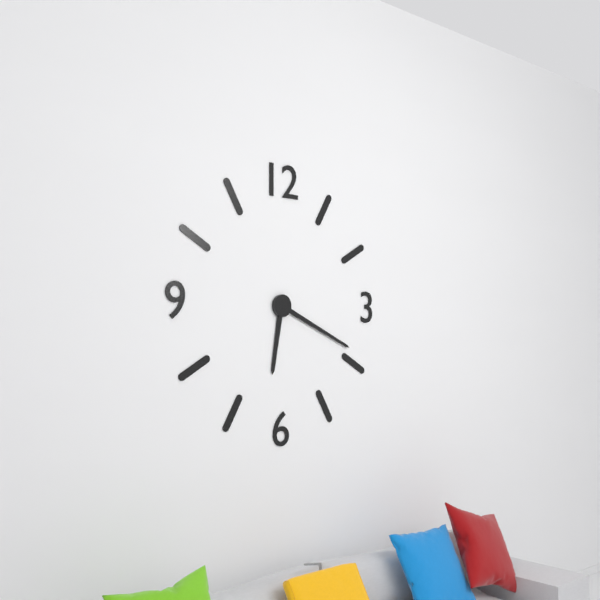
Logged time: 6:19
